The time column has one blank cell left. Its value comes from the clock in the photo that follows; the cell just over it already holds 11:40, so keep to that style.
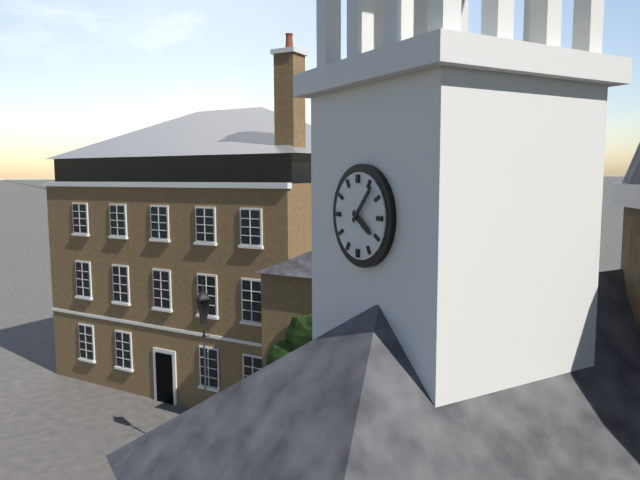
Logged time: 4:07
